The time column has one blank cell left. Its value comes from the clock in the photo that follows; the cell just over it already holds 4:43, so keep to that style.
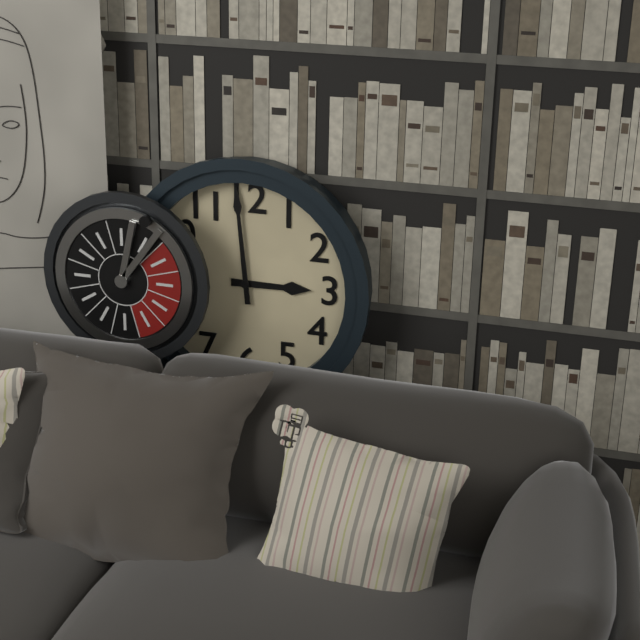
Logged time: 2:59
